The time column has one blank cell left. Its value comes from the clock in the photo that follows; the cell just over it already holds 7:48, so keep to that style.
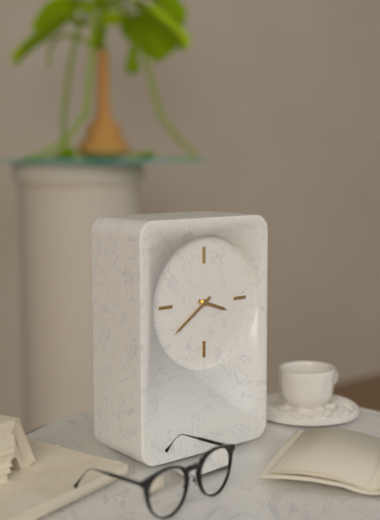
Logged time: 3:39
